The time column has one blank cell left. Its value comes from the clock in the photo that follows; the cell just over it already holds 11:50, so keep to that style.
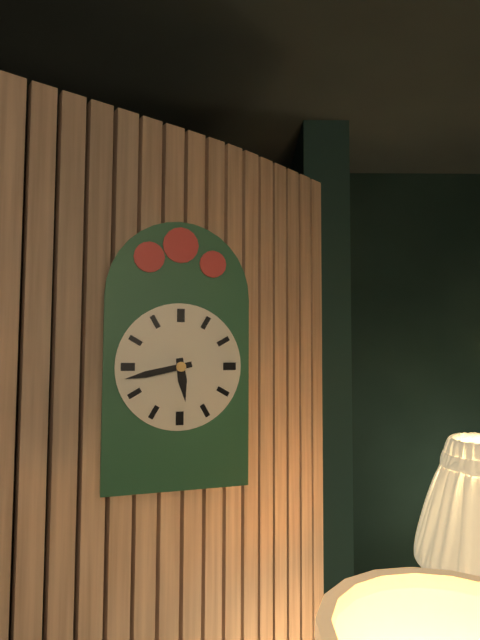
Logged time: 5:43
